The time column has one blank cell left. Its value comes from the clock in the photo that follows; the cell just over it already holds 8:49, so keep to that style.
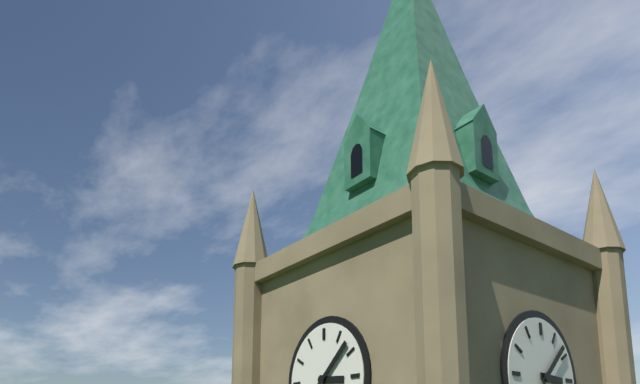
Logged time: 3:08
